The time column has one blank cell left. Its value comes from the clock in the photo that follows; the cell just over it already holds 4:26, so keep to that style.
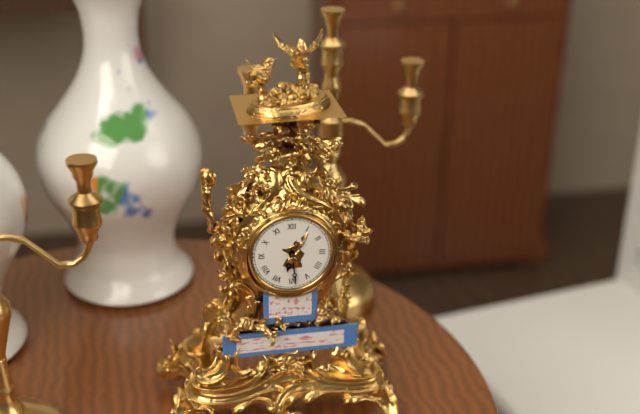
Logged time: 6:29
